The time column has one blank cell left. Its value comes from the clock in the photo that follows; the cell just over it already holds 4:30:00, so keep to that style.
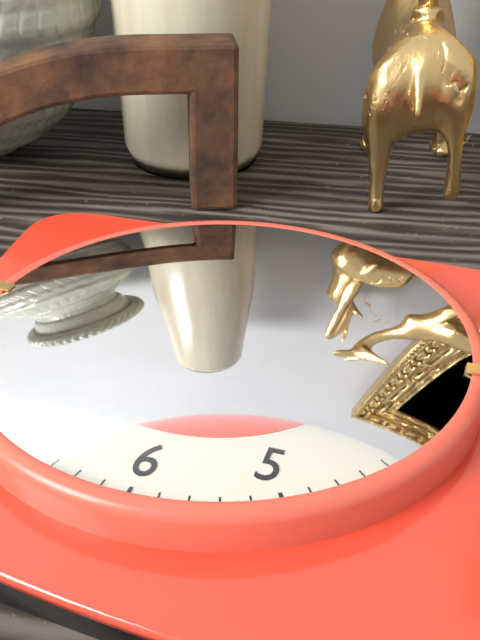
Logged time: 6:00:35
